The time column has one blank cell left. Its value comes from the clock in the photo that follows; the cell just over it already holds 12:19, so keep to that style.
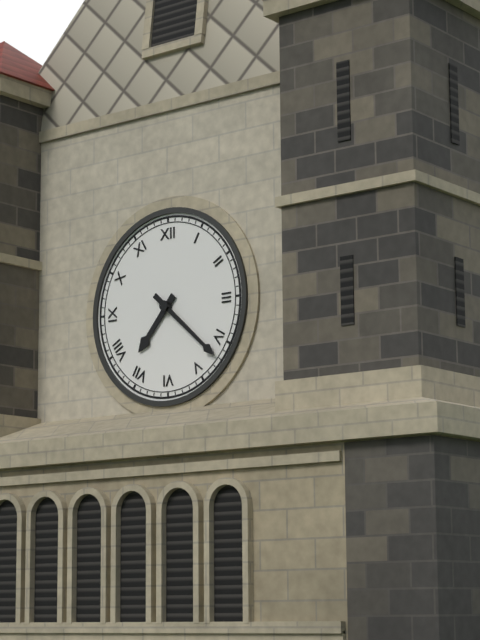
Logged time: 7:22
